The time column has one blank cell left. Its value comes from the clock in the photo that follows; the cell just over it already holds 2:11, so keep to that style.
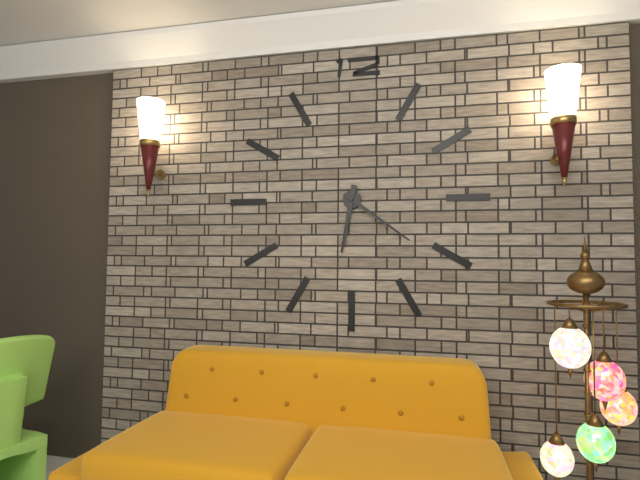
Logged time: 6:21
